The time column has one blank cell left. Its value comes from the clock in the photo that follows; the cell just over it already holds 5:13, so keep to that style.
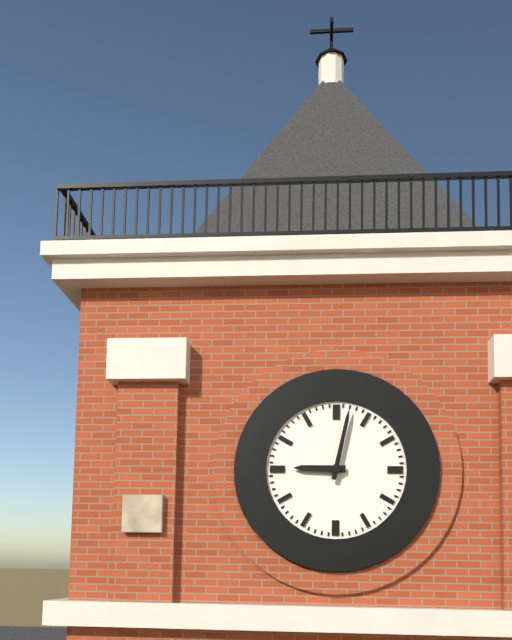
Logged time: 9:02
